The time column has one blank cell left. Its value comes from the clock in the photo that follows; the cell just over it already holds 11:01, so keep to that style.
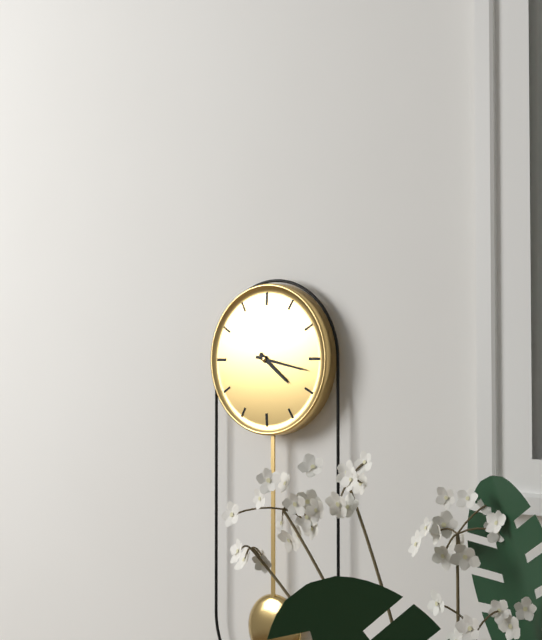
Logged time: 4:17
